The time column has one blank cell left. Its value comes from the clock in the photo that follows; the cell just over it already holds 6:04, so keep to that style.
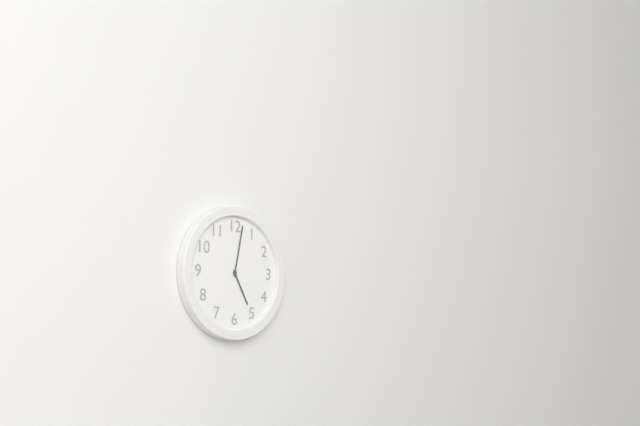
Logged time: 5:02
